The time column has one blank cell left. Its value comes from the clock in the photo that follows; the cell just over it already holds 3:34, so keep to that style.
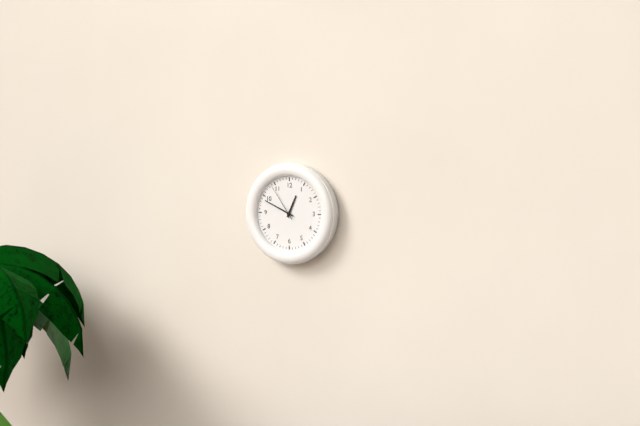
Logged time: 12:49
